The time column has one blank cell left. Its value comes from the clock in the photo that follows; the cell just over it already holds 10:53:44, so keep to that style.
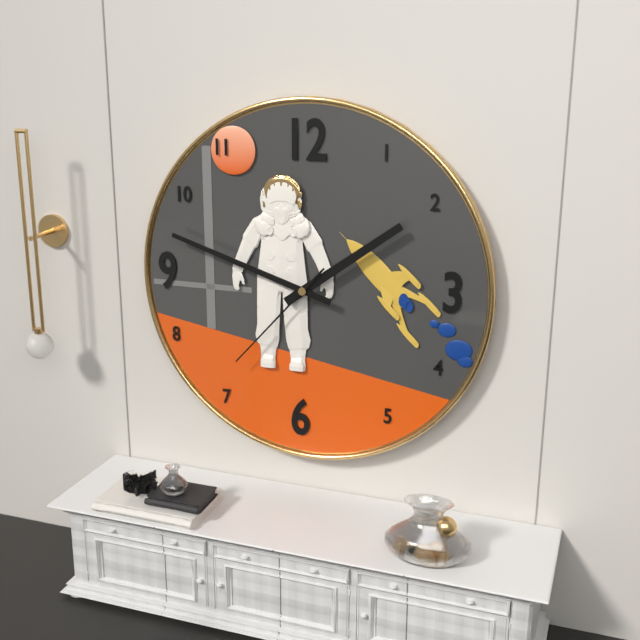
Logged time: 1:48:37
